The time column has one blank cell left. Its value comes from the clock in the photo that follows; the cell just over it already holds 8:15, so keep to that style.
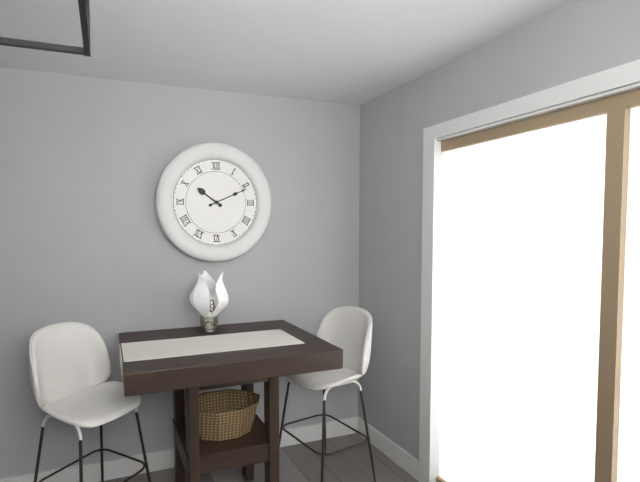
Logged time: 10:11
